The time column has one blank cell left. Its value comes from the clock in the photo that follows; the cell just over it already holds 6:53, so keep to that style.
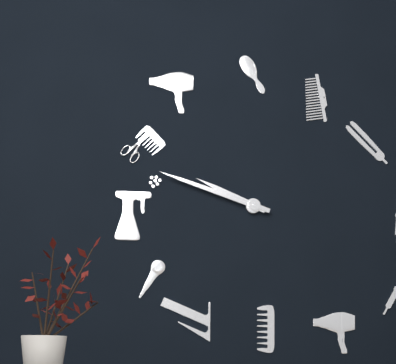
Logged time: 9:48
